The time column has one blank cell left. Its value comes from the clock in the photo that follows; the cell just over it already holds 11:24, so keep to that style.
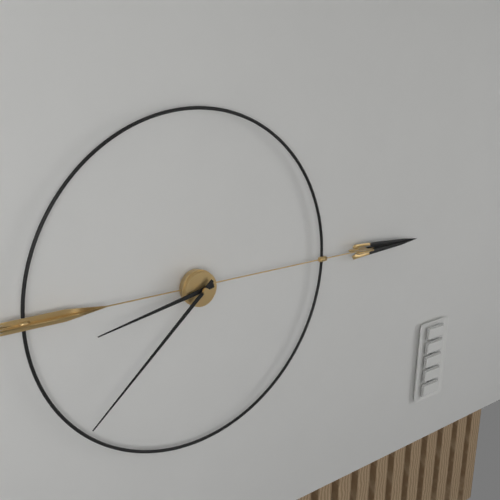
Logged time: 8:38
